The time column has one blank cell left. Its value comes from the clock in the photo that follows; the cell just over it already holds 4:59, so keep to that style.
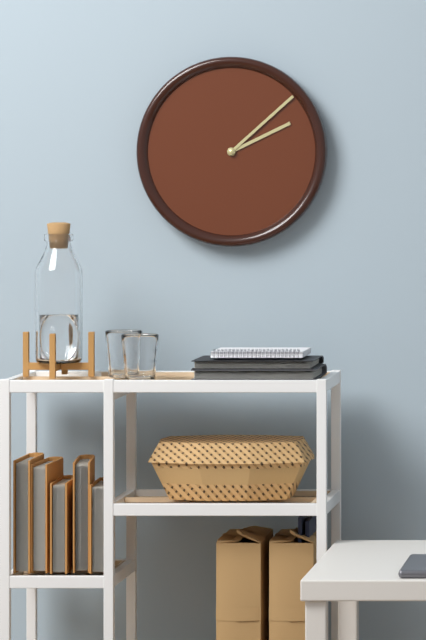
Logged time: 2:08
